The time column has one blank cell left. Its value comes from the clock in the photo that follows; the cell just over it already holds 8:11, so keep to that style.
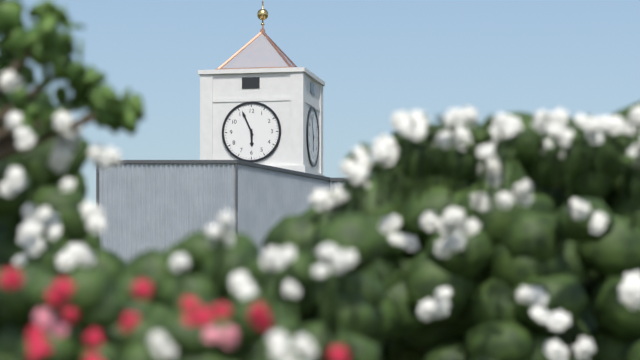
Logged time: 5:56
